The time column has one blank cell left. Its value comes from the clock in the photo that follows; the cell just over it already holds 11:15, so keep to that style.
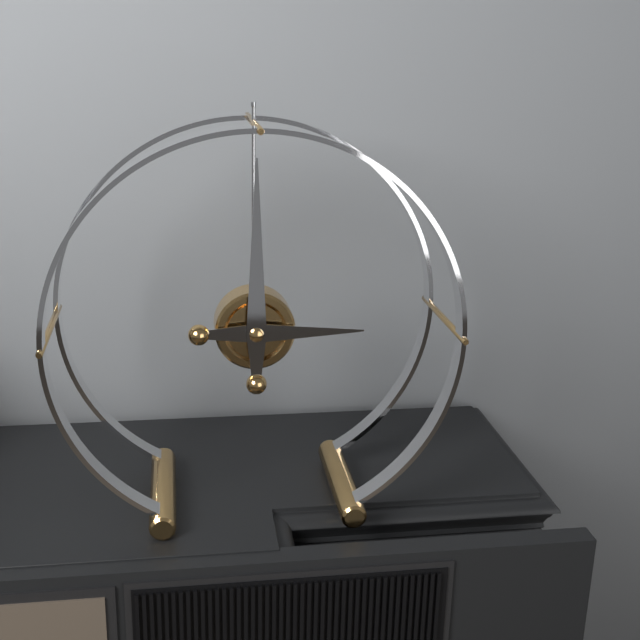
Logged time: 3:00
